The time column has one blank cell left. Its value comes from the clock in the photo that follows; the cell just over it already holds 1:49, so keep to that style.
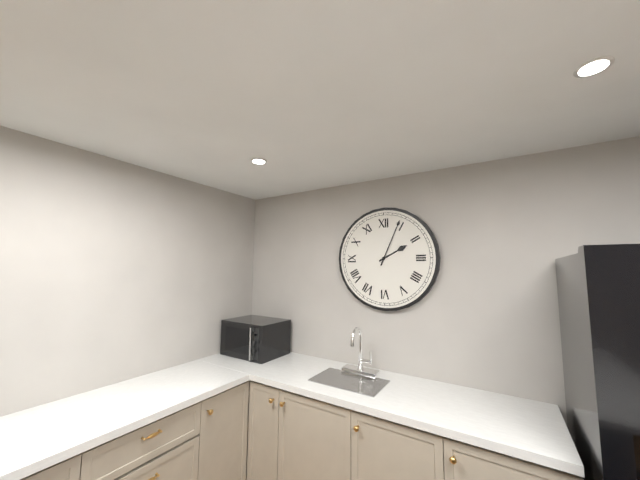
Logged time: 2:04
